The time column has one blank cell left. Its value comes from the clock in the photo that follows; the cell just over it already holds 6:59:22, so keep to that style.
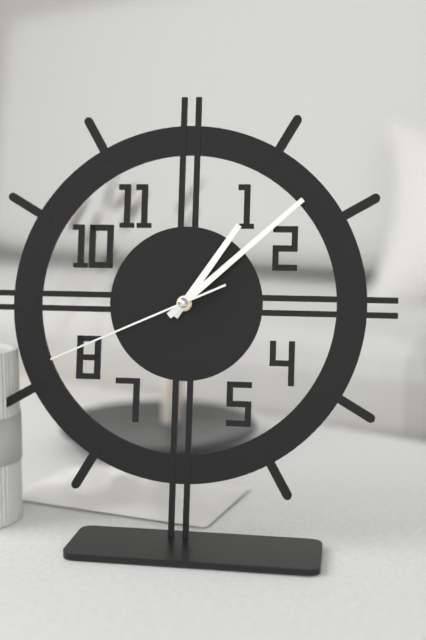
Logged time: 1:08:41
